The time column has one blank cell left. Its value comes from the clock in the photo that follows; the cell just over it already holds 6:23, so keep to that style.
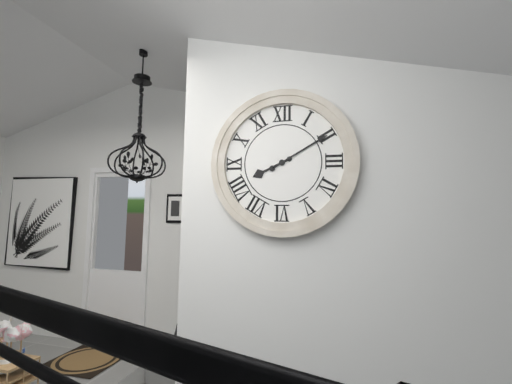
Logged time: 8:10
